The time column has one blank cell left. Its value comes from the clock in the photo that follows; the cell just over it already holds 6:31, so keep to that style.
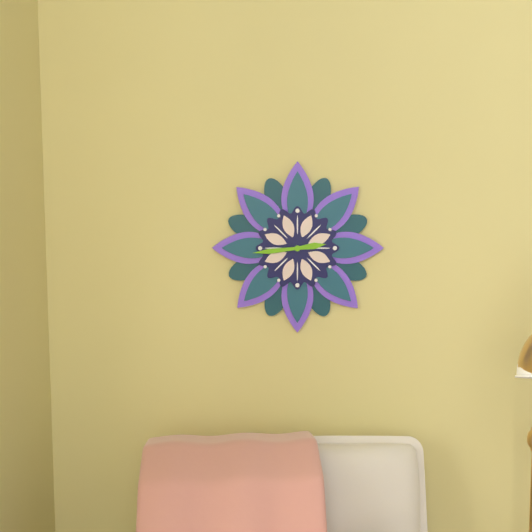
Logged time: 2:44
